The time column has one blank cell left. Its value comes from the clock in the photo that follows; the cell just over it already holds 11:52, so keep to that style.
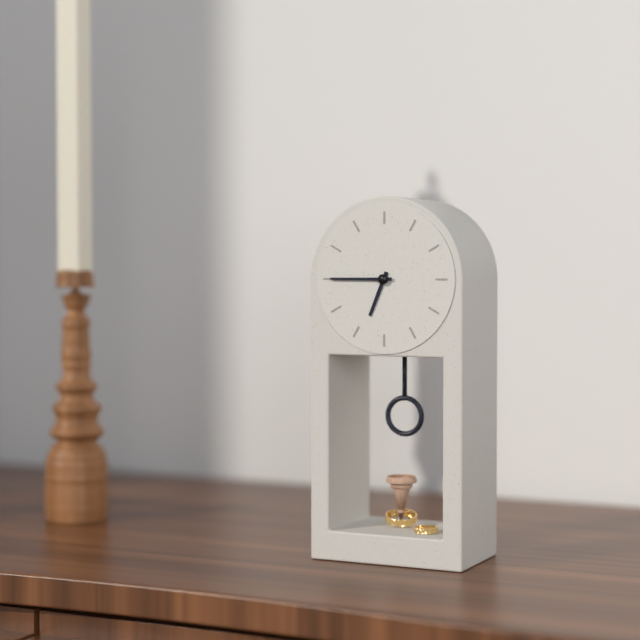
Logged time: 6:45
